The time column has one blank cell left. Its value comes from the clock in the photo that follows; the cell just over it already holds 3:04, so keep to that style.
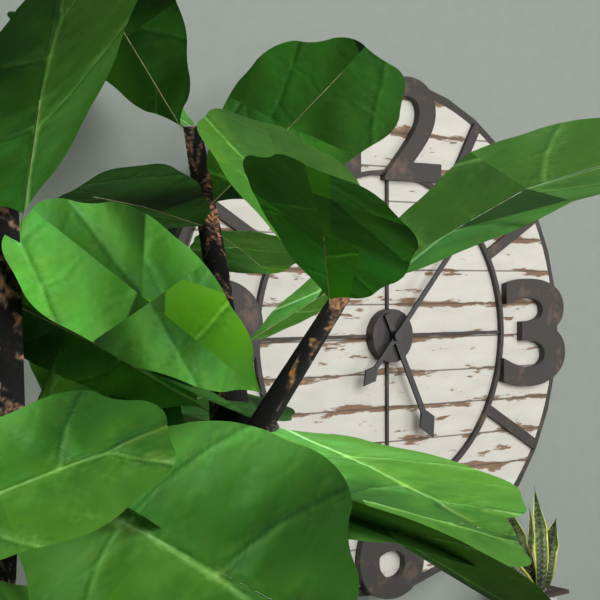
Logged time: 5:07
